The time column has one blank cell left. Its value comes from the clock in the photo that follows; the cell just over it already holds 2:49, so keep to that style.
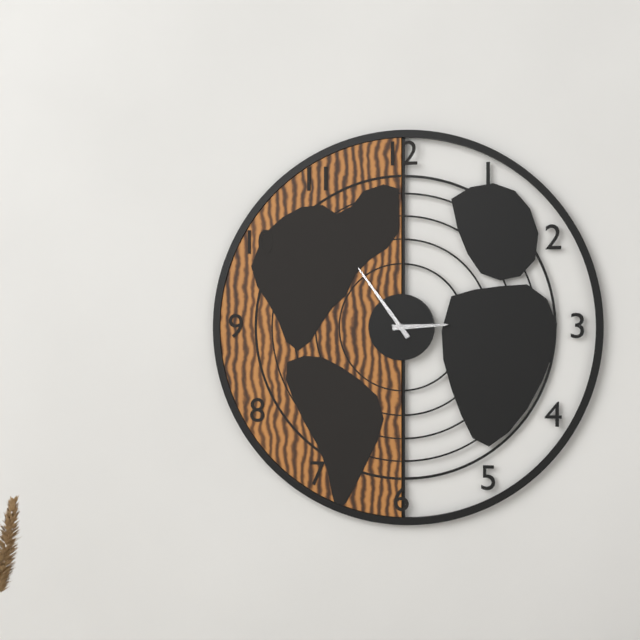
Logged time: 2:54
